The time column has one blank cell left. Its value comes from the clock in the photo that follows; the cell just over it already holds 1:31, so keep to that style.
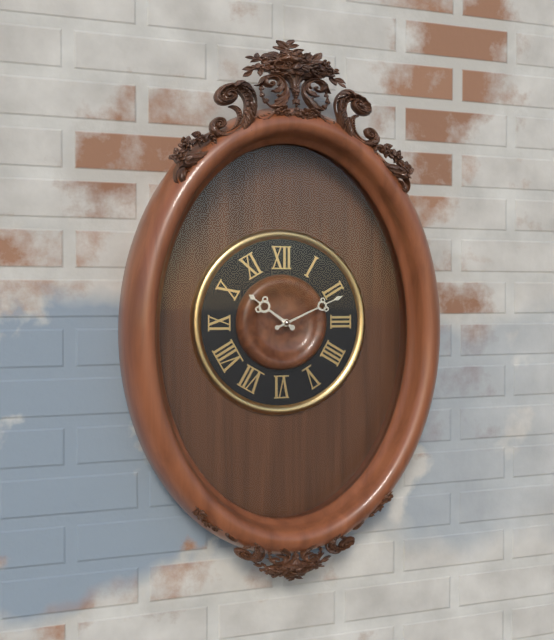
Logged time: 10:11
